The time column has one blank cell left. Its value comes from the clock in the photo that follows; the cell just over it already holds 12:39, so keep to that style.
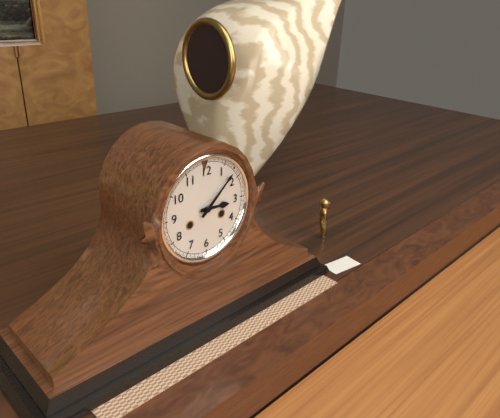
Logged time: 3:08
